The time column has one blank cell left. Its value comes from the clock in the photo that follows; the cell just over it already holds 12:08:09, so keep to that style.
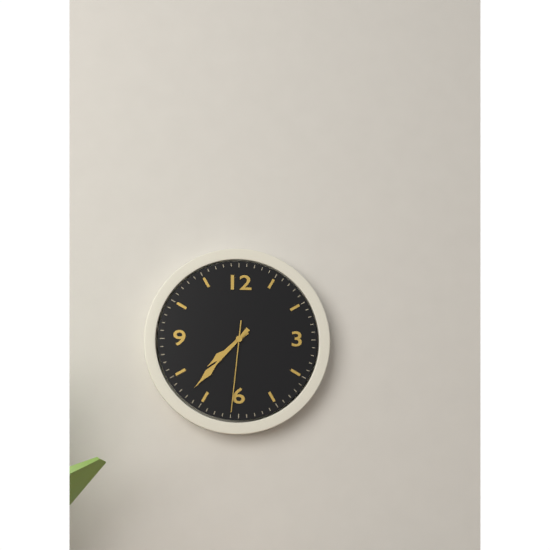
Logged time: 7:37:31
